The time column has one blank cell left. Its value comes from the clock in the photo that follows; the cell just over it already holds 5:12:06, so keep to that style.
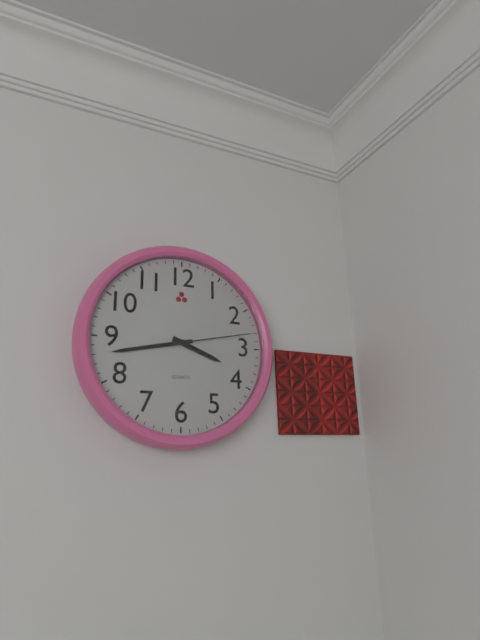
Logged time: 3:43:13
